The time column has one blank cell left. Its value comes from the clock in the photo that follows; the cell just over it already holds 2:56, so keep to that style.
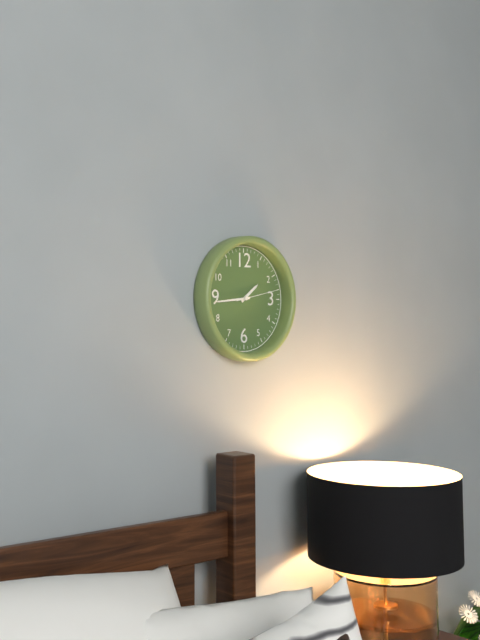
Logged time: 1:44
